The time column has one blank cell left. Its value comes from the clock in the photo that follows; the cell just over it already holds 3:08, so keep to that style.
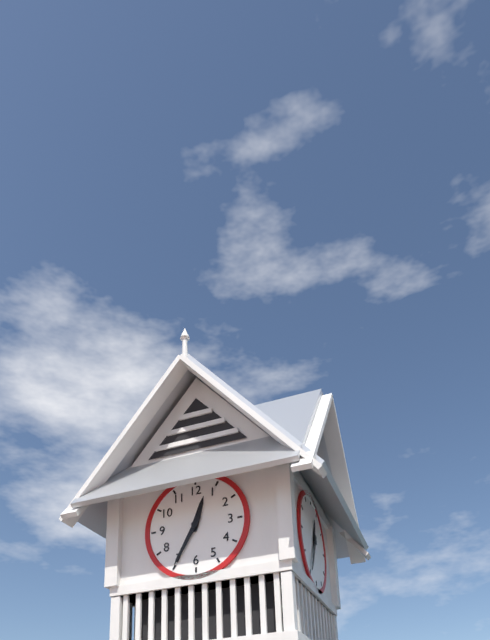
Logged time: 12:35
